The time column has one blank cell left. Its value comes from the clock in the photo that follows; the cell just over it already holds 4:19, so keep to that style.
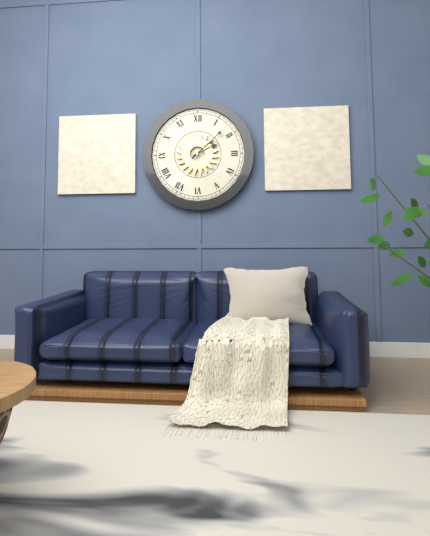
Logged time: 2:08
